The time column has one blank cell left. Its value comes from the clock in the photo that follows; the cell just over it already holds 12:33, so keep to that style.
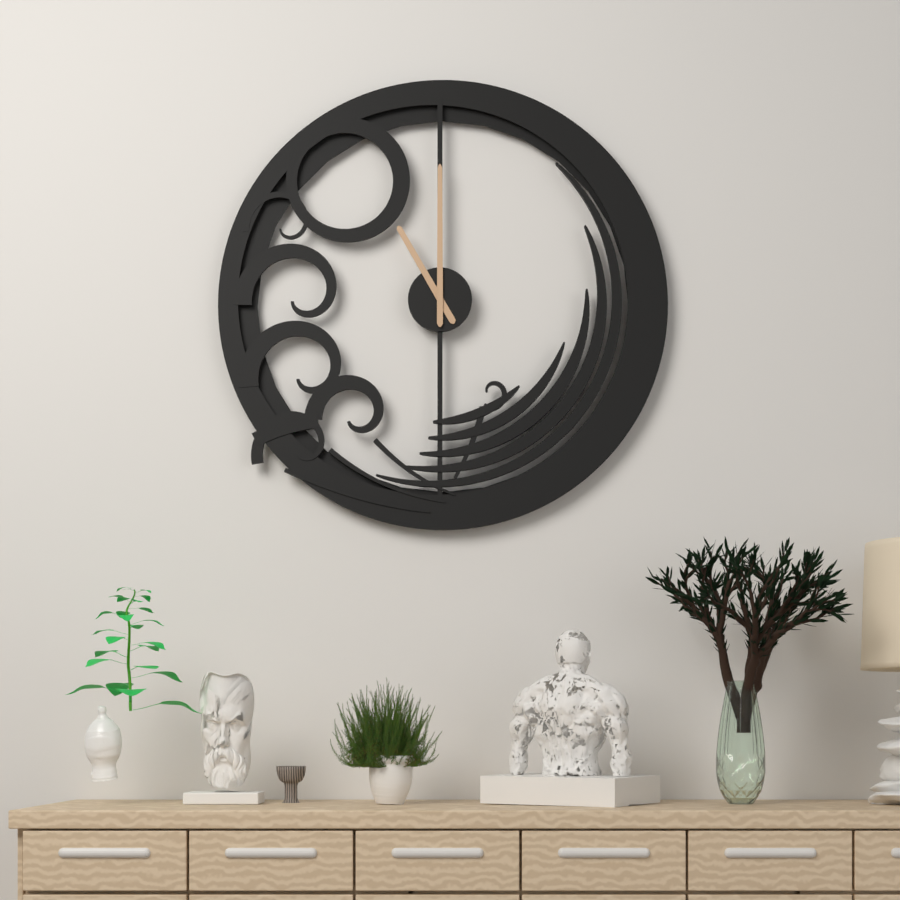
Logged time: 11:00
